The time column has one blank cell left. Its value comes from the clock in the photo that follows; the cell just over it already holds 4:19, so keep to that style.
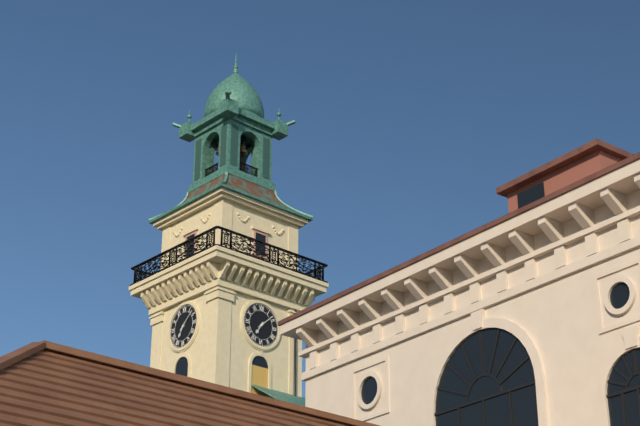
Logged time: 7:08
